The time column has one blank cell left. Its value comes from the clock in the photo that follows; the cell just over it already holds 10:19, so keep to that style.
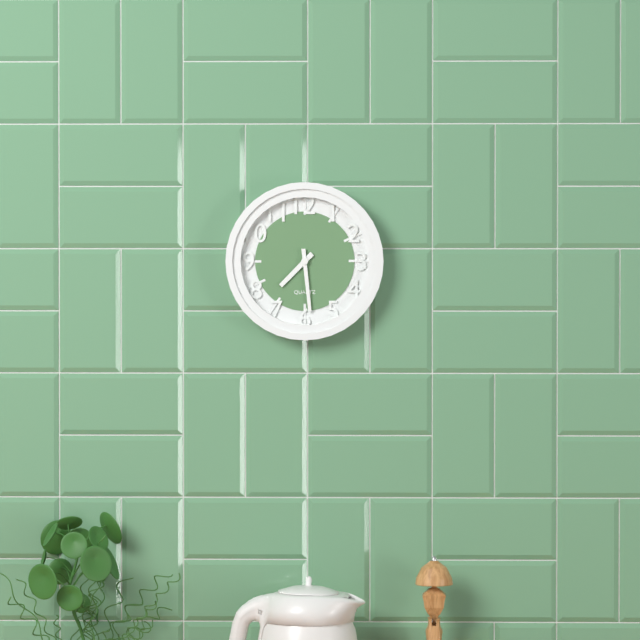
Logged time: 7:29
